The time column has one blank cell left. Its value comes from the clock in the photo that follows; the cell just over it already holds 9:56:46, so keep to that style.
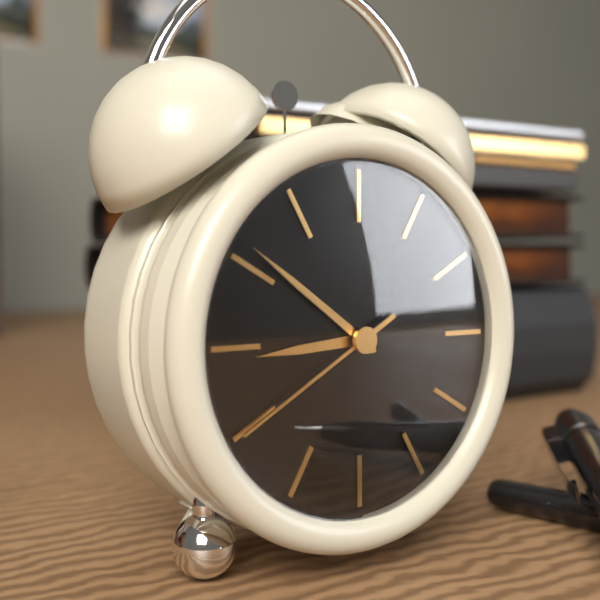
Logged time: 8:51:40
